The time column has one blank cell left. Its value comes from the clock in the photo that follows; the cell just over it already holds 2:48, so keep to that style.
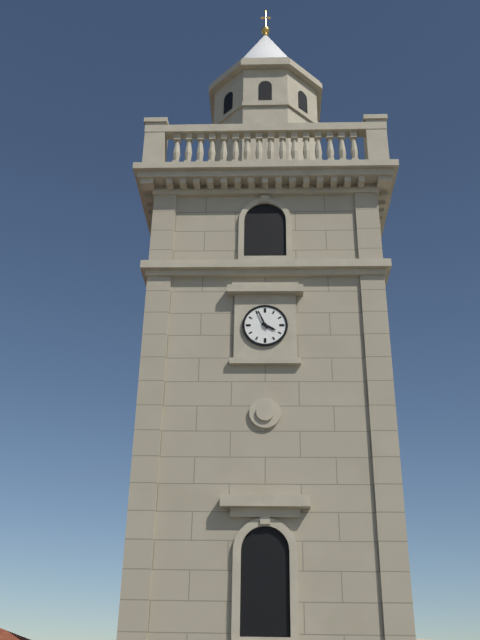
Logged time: 3:56
